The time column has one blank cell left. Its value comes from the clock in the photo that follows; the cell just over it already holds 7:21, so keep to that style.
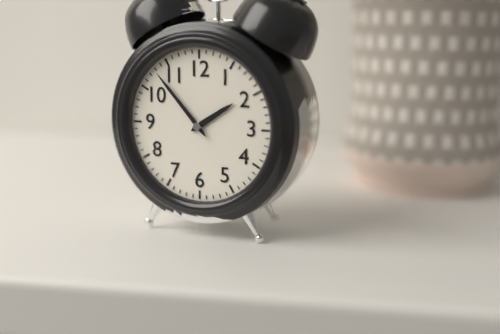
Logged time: 1:53
